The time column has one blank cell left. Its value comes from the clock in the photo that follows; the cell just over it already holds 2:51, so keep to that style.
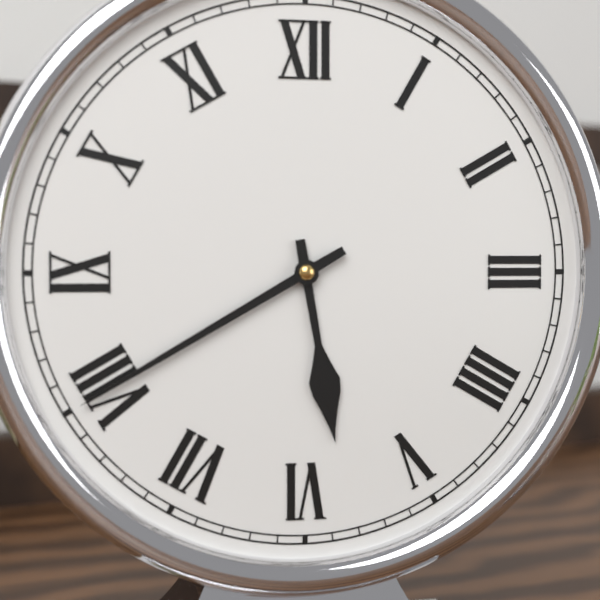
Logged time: 5:40
